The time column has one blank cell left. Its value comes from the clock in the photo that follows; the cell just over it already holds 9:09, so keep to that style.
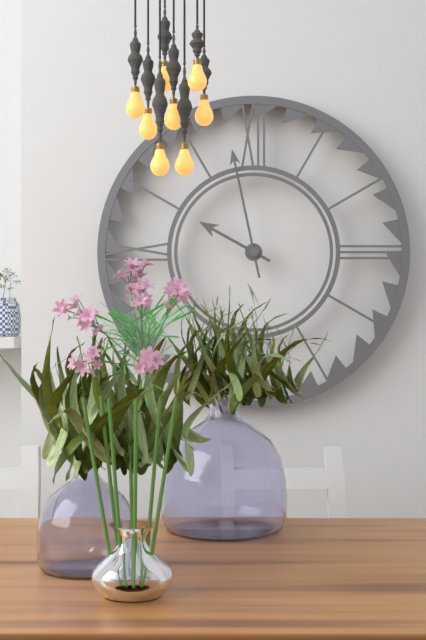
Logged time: 9:58
